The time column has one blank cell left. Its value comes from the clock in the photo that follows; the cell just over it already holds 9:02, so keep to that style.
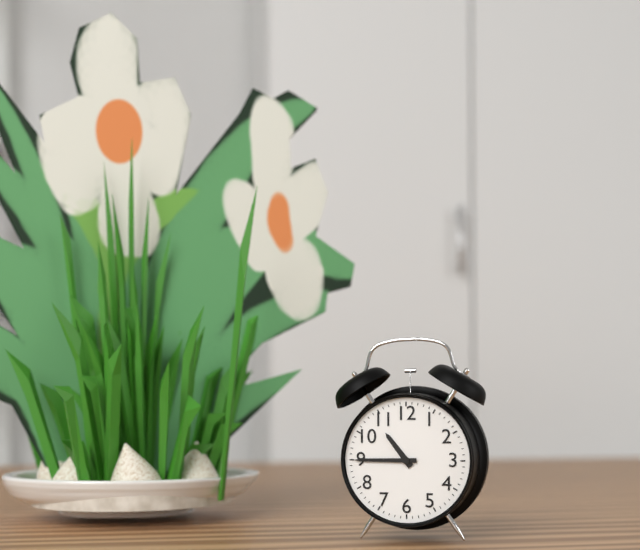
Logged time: 10:45
